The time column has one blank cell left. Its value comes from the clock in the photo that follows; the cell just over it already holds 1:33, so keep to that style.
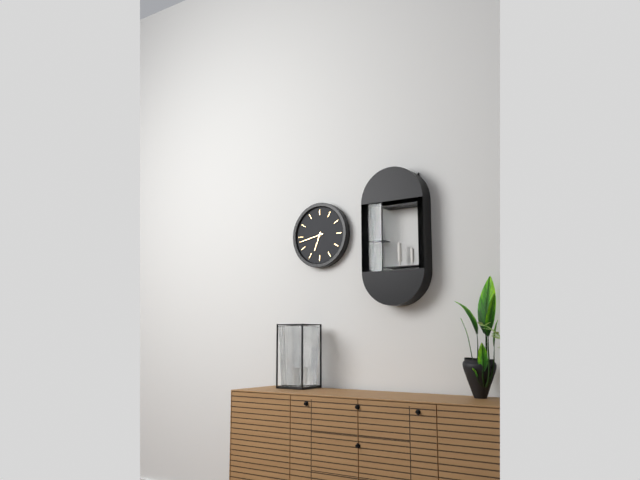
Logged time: 6:43
